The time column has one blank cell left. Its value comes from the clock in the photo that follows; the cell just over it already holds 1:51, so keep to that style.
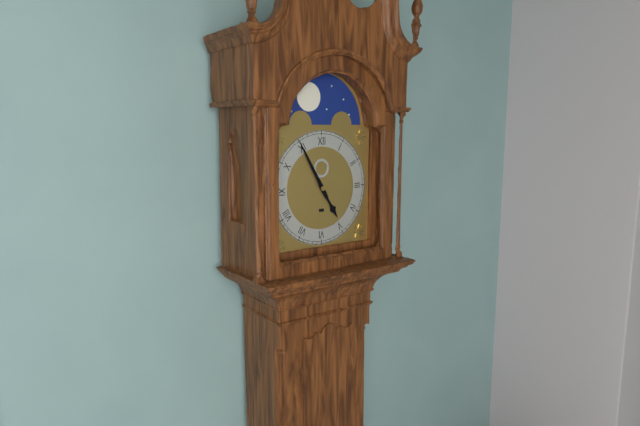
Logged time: 4:55
